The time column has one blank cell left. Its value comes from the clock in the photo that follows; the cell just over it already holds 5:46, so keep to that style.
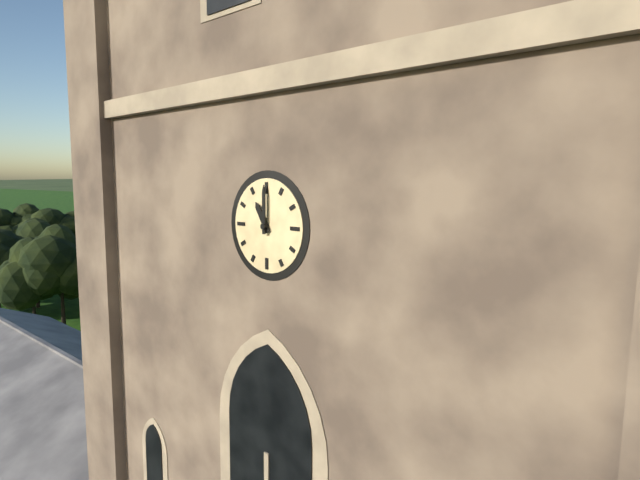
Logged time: 11:00
